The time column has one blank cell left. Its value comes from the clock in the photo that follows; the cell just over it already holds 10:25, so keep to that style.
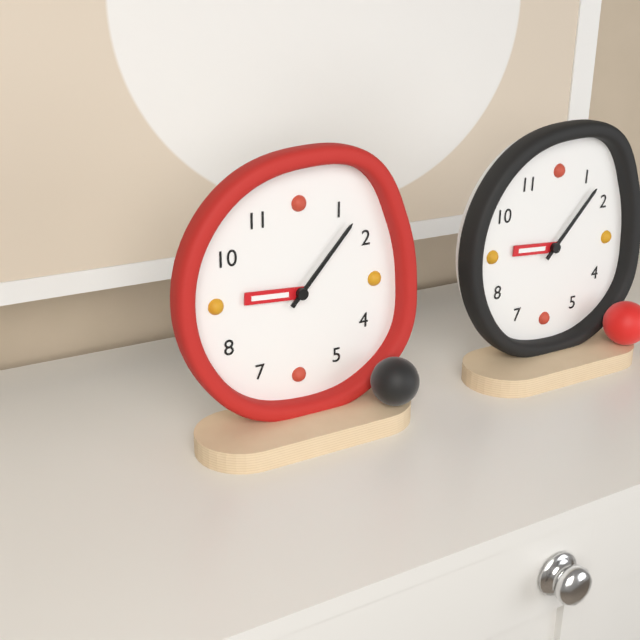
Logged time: 9:07
